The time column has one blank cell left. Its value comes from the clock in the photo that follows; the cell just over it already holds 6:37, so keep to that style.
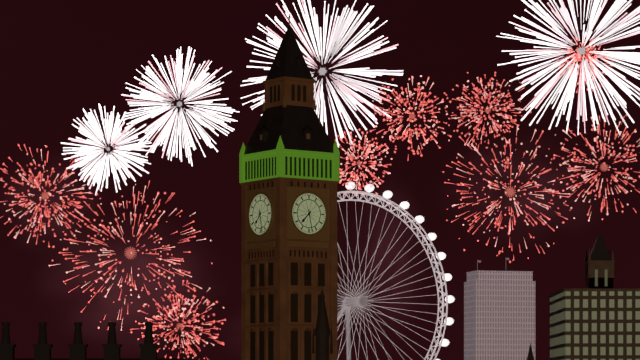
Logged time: 7:28
